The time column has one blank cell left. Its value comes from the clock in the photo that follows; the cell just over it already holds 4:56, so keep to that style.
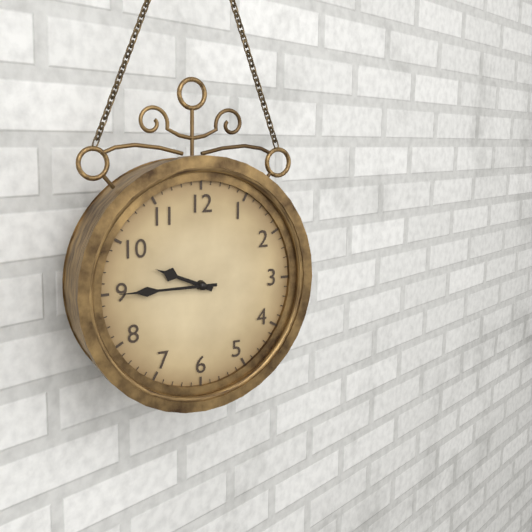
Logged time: 9:45
